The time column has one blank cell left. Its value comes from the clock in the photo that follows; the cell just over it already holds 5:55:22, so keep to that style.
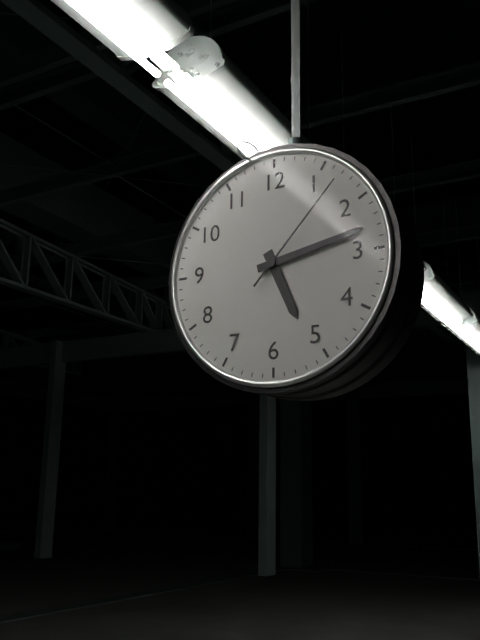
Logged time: 5:13:07
